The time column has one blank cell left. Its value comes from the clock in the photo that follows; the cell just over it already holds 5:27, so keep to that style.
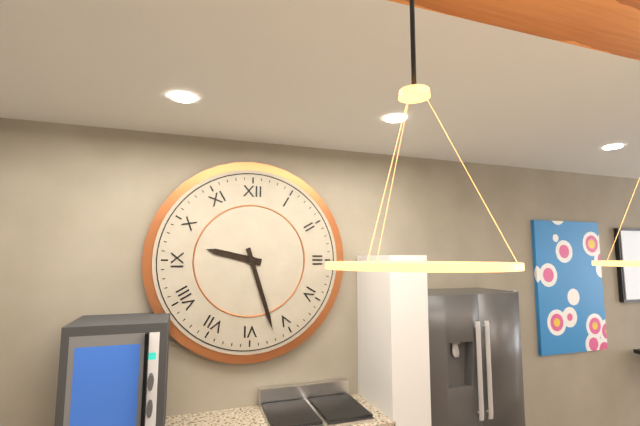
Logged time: 9:27
